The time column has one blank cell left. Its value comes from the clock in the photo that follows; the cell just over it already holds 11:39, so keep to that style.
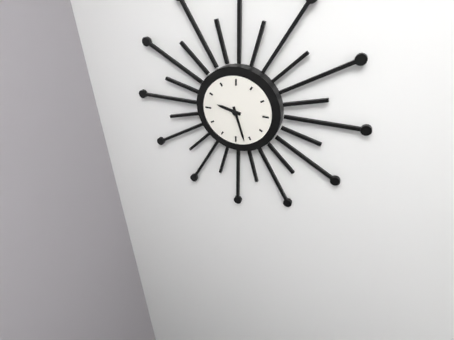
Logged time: 9:27
